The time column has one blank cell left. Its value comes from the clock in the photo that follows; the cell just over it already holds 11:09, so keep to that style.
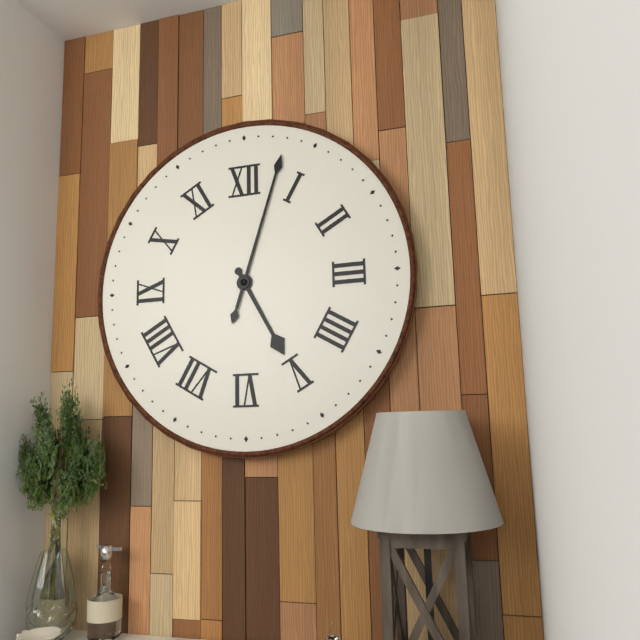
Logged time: 5:03
